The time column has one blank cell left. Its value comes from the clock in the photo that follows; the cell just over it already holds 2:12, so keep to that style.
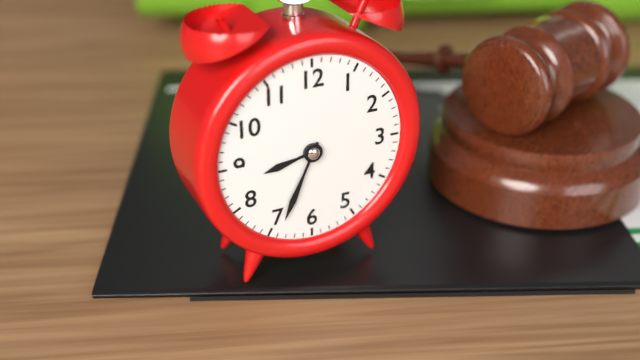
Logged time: 8:34
